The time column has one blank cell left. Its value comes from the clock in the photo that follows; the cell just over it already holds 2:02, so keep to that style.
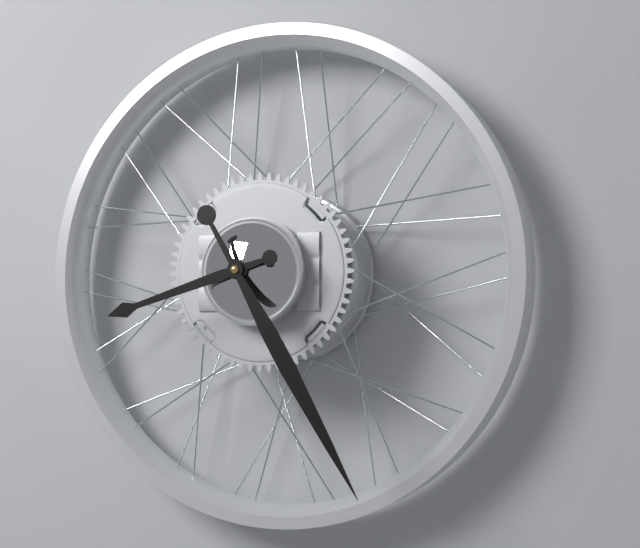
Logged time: 8:25
